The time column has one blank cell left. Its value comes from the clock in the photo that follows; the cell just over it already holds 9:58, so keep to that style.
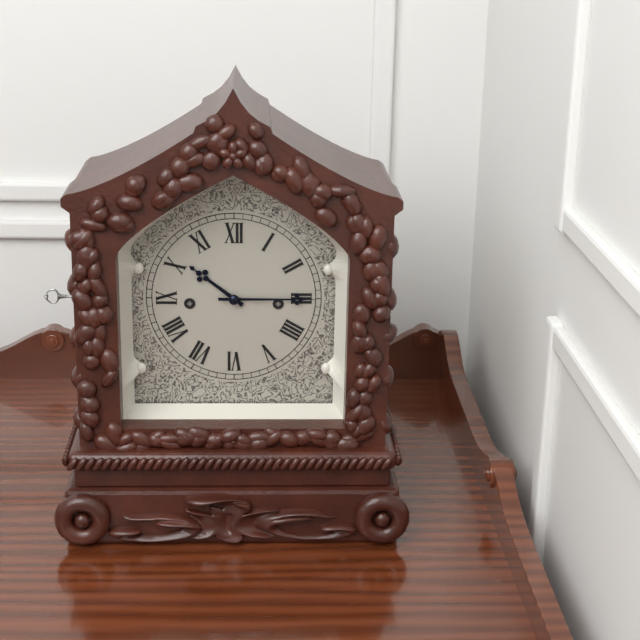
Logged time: 10:15
